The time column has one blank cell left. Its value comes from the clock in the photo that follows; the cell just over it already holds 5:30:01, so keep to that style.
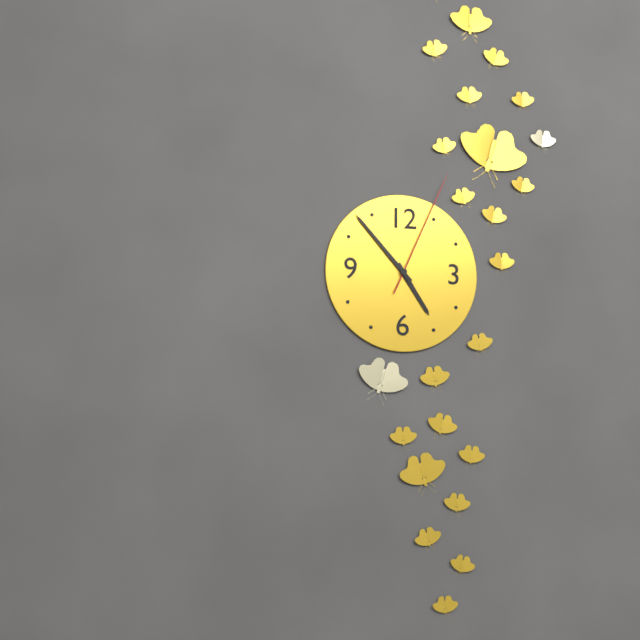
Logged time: 4:53:04
